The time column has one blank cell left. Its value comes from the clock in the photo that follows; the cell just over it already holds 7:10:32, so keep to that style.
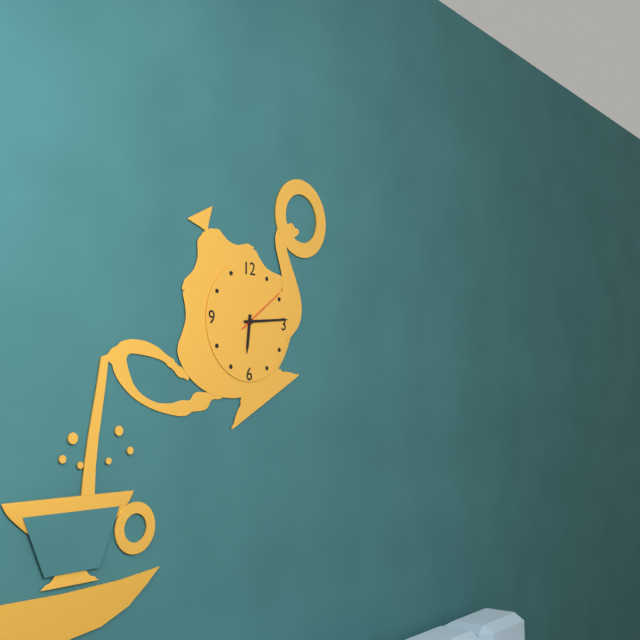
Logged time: 6:14:09
